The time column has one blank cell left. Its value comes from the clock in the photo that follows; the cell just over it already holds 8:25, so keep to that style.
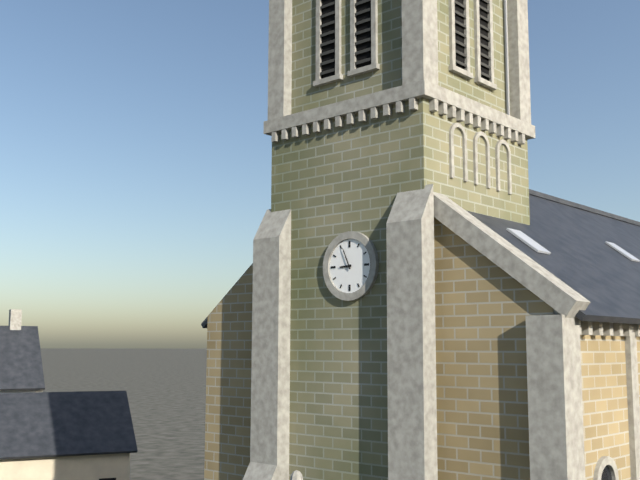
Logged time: 8:56
